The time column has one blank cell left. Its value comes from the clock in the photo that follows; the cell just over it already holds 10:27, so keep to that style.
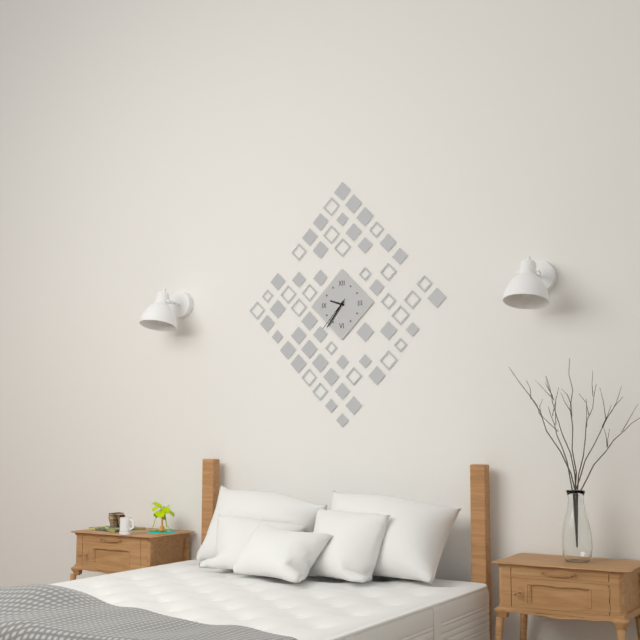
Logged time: 9:36
